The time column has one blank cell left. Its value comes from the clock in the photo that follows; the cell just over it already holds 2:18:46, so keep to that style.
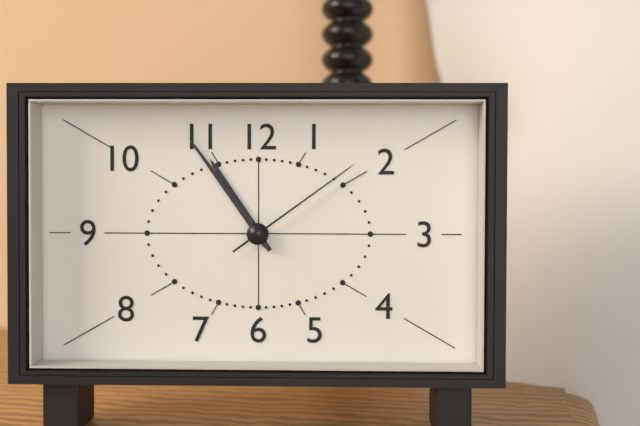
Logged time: 10:54:09
